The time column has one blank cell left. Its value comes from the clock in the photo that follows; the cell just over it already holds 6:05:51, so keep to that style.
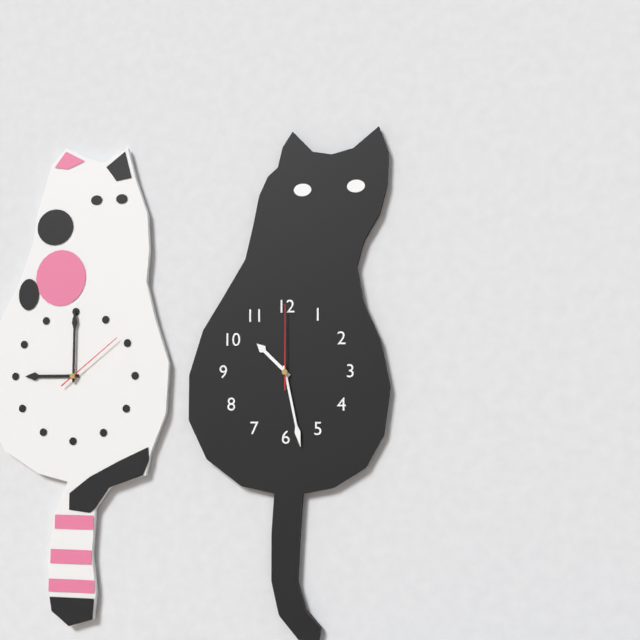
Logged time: 10:28:00
